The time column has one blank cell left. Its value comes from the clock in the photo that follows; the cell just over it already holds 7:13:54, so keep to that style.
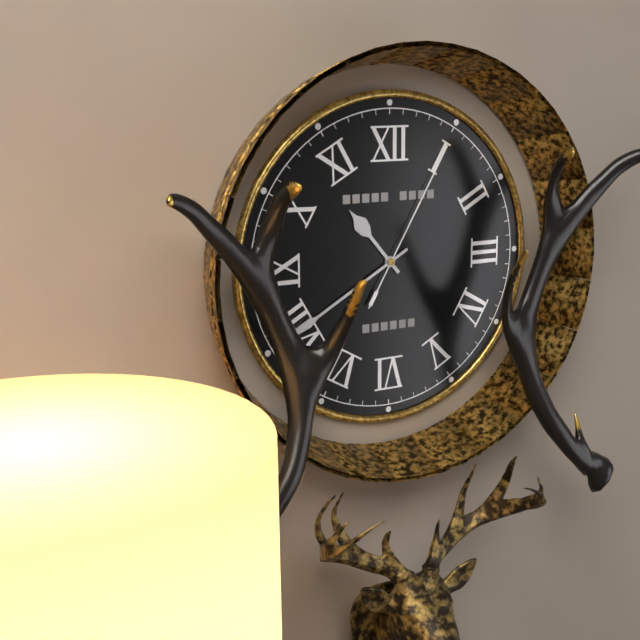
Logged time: 10:40:05
